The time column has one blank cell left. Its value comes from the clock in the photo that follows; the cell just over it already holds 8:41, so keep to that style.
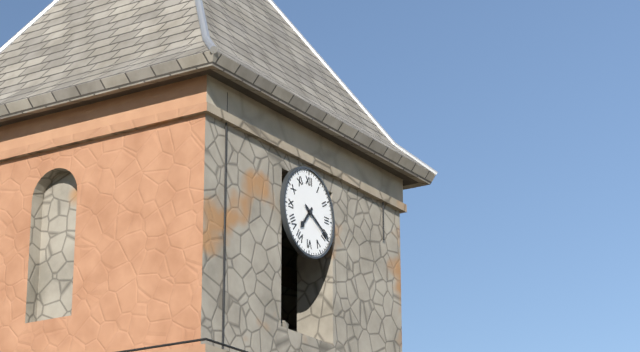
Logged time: 7:20
